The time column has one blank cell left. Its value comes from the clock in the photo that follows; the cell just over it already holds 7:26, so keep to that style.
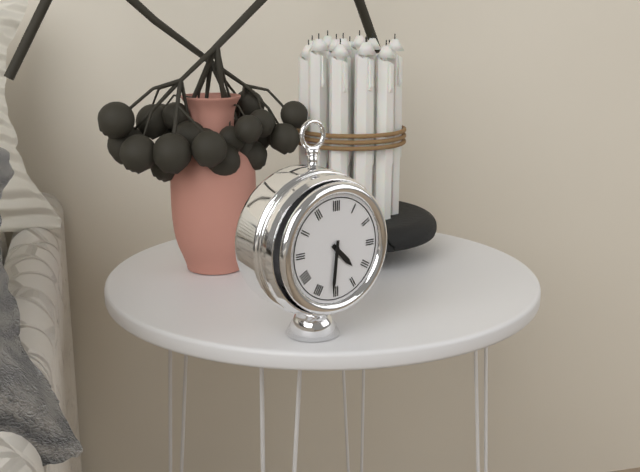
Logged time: 4:31
